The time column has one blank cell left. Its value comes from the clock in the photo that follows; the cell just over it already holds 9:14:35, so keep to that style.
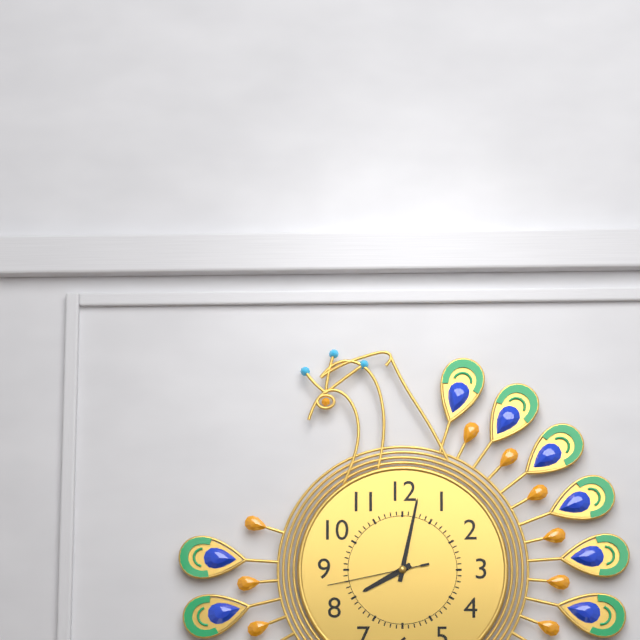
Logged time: 8:02:43
